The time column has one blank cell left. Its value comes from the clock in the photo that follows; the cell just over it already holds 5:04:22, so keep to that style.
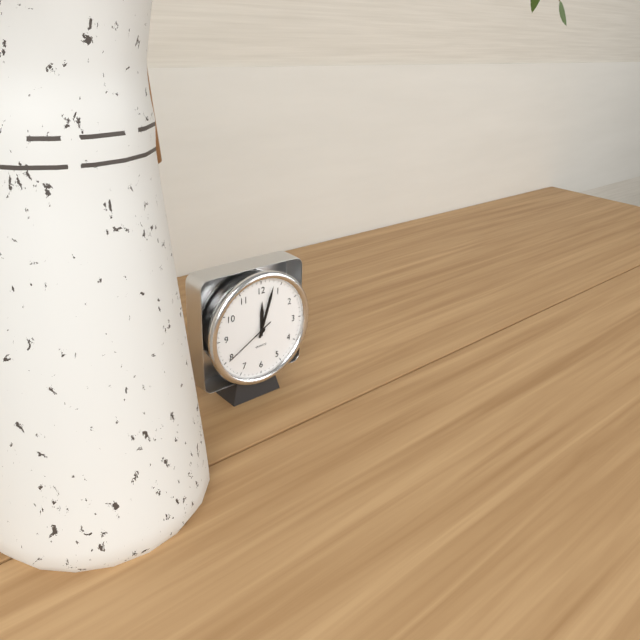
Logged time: 12:03:40
